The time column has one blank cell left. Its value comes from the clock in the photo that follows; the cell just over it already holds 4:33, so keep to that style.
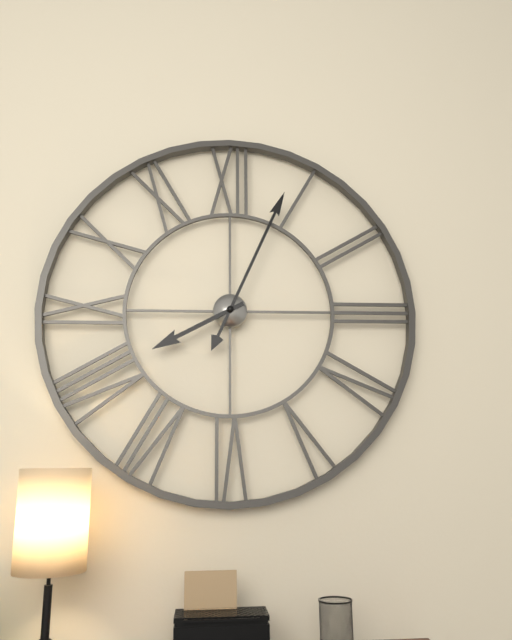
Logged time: 8:04
